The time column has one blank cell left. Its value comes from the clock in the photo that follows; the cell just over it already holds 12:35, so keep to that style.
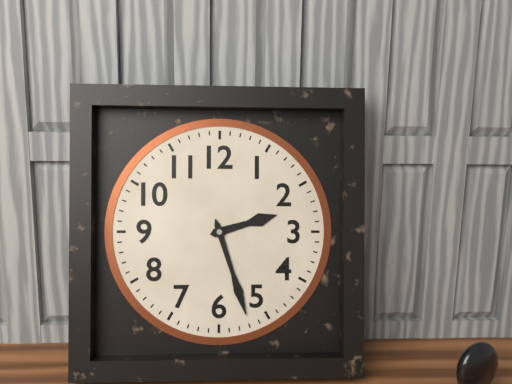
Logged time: 2:27
